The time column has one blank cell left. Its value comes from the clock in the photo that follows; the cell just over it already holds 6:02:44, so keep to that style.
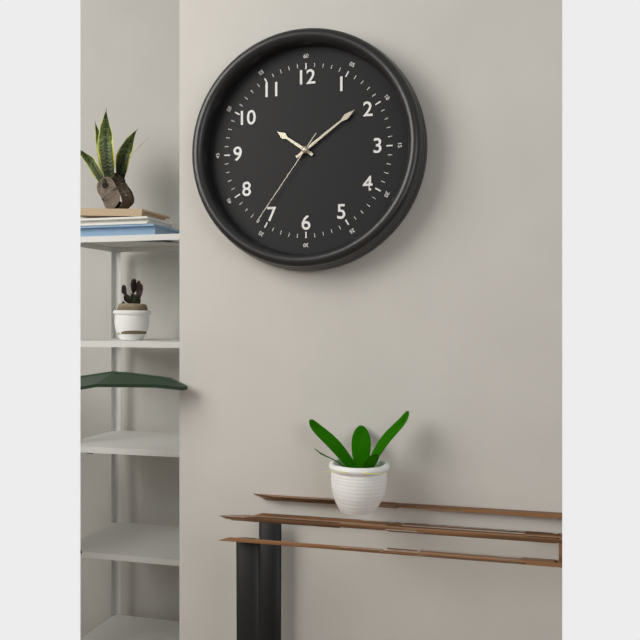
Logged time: 10:09:36
